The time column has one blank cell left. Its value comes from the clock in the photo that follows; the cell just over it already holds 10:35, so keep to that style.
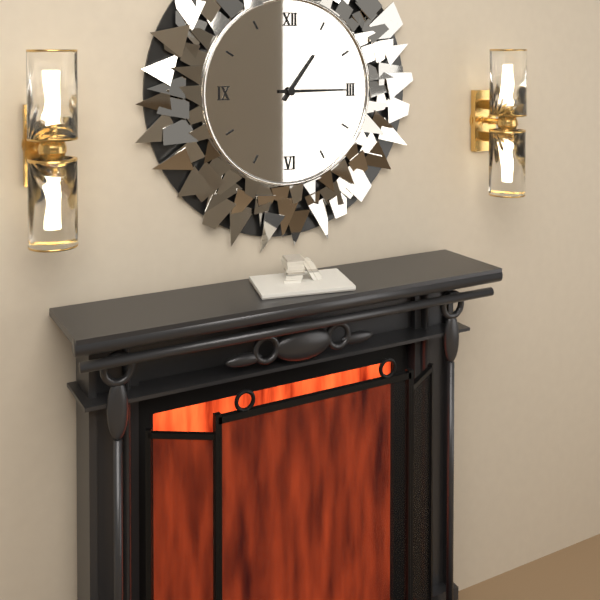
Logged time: 1:15
